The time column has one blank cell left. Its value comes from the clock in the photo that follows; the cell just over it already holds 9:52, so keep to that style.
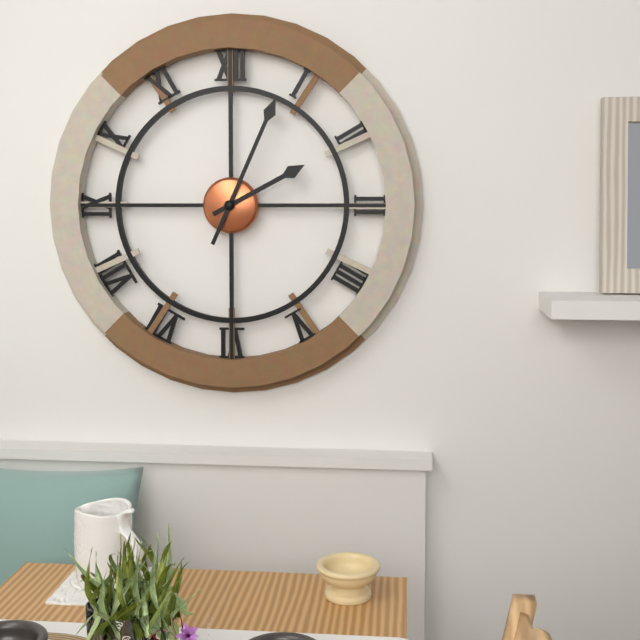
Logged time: 2:04
